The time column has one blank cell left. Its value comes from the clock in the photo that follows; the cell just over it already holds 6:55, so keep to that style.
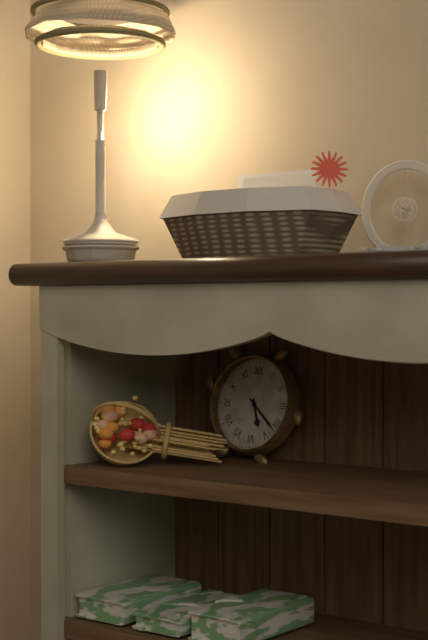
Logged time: 5:22
